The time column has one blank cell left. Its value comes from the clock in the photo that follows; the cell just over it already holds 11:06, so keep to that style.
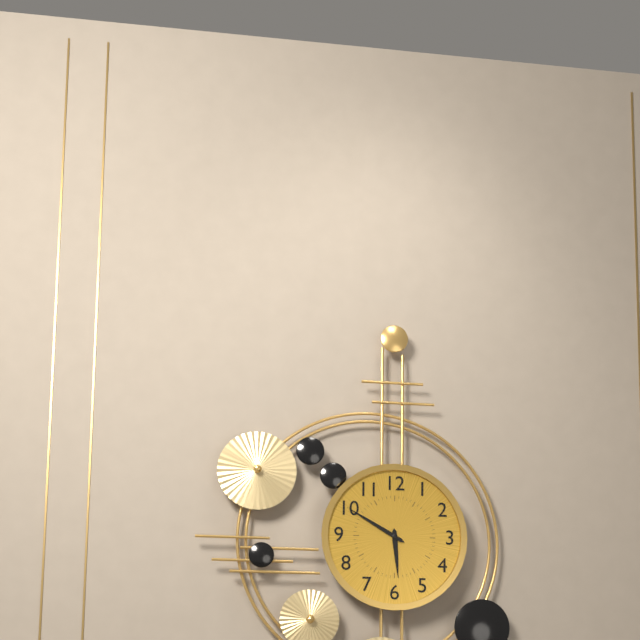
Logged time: 5:50
